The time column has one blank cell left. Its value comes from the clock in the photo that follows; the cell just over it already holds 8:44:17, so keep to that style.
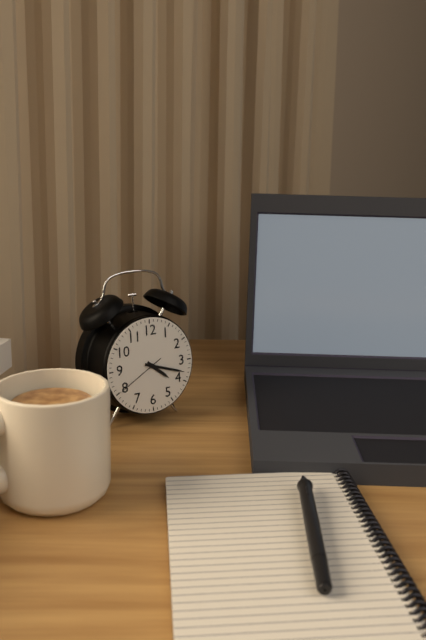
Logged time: 4:18:40
